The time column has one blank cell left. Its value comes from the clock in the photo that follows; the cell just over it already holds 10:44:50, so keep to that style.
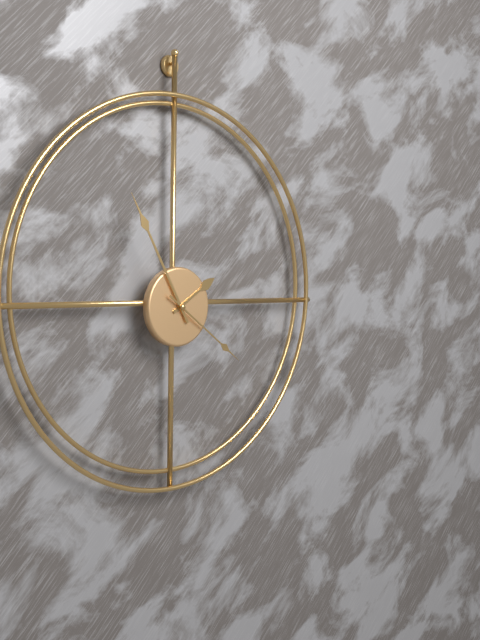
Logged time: 1:55:21
